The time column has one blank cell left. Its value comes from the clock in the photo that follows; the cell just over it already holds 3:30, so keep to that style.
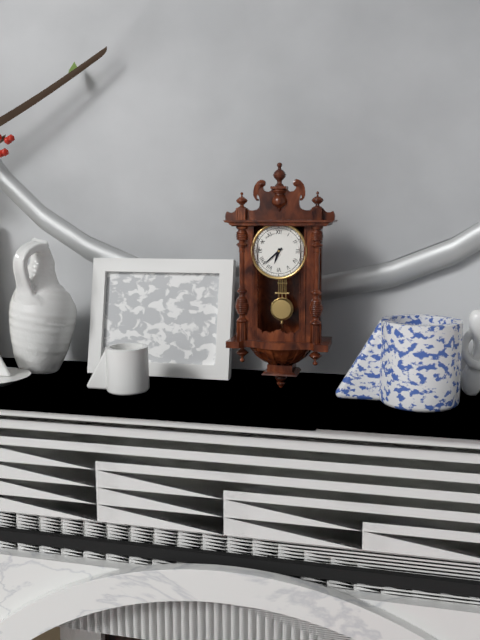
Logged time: 6:38
